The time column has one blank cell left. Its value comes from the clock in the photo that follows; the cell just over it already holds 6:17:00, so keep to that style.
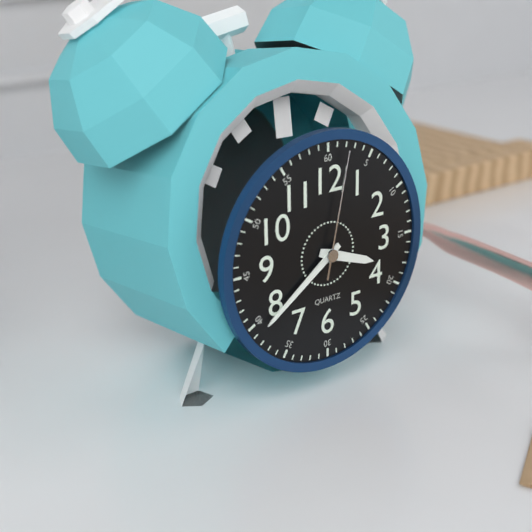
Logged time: 3:39:02
